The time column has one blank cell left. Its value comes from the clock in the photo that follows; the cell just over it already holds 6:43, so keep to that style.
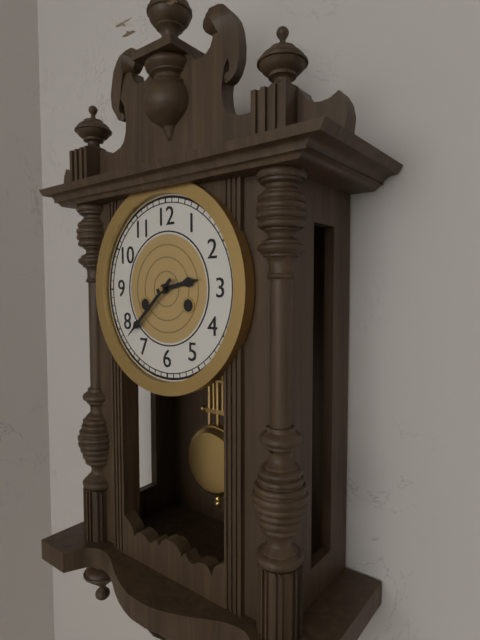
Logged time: 2:38
